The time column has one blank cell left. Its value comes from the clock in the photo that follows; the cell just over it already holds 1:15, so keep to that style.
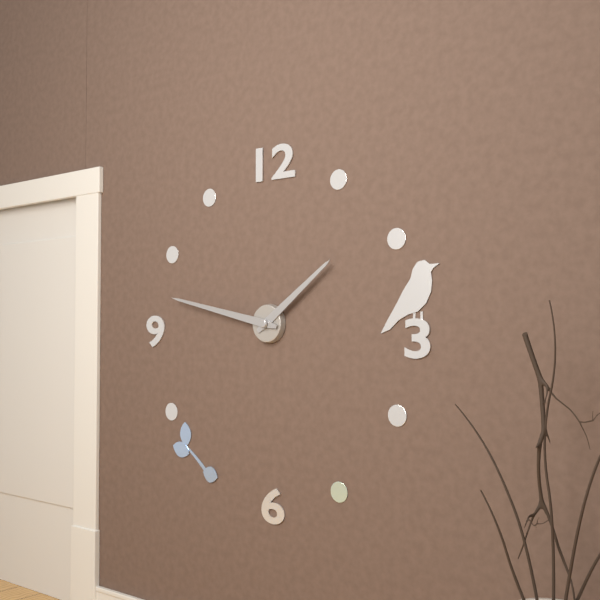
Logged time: 1:47
